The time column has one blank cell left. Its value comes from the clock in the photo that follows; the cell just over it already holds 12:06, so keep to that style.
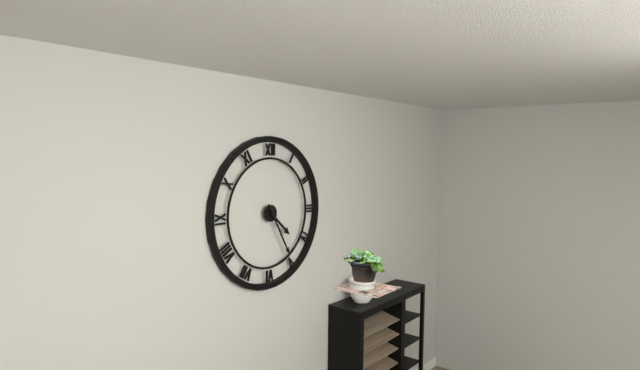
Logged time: 4:25
